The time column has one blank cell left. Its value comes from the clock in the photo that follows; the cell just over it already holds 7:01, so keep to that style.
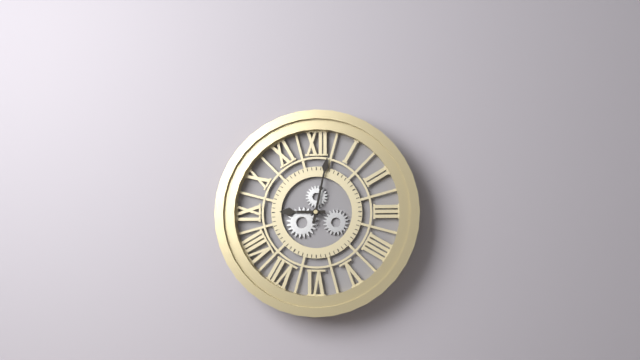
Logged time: 9:02
